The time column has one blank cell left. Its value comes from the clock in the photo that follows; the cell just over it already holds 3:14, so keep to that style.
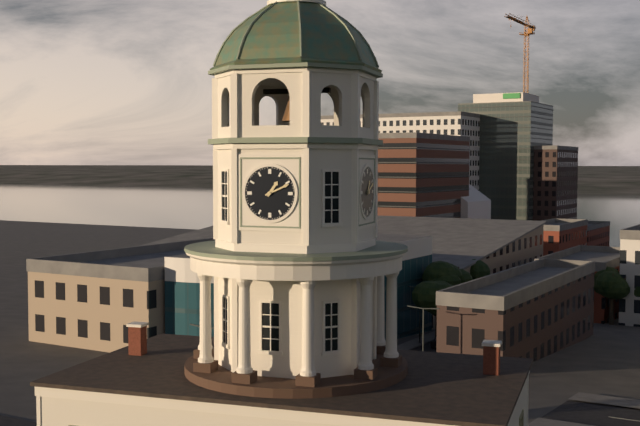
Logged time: 1:11
